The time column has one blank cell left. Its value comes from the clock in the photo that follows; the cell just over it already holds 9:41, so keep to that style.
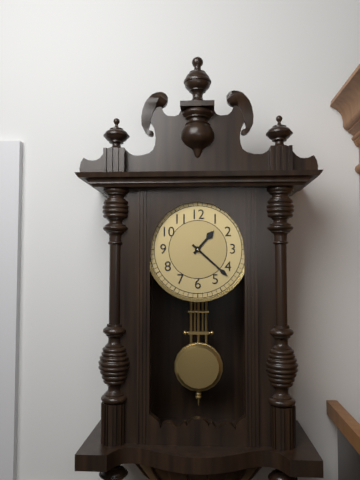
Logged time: 1:22
